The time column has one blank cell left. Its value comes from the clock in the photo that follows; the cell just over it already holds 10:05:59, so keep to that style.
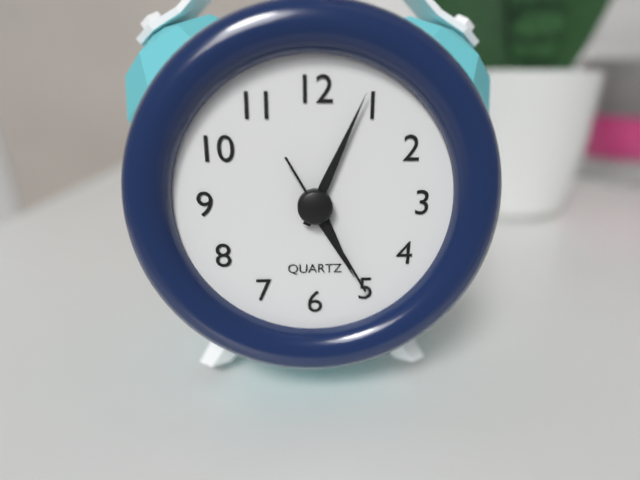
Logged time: 5:04:25
